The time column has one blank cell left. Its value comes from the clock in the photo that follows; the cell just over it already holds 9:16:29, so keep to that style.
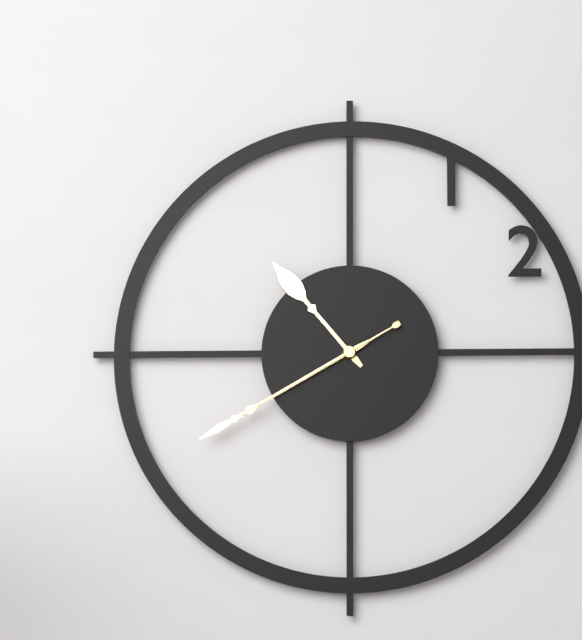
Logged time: 10:40:40
